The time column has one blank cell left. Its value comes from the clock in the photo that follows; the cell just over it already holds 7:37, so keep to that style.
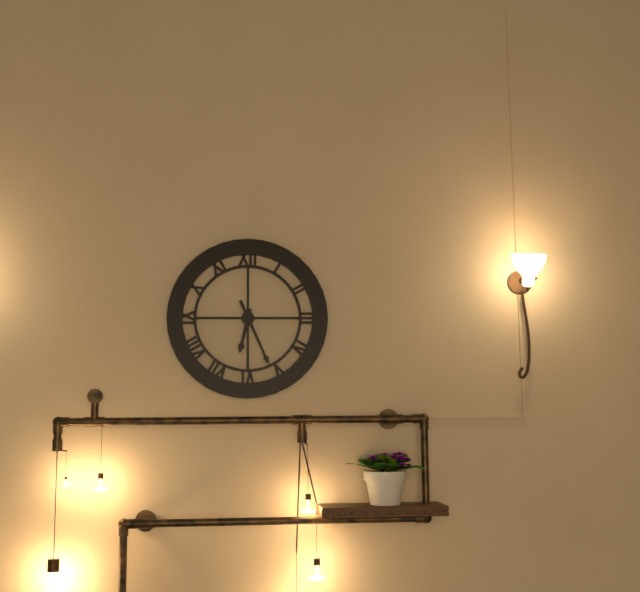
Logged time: 6:26
